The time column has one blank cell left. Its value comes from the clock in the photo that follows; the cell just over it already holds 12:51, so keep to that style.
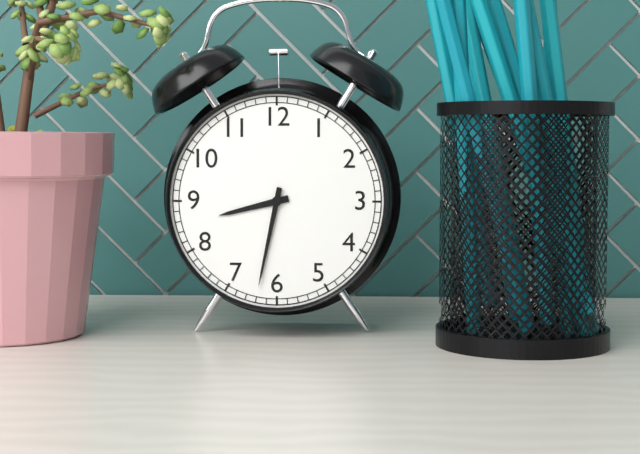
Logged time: 8:32
